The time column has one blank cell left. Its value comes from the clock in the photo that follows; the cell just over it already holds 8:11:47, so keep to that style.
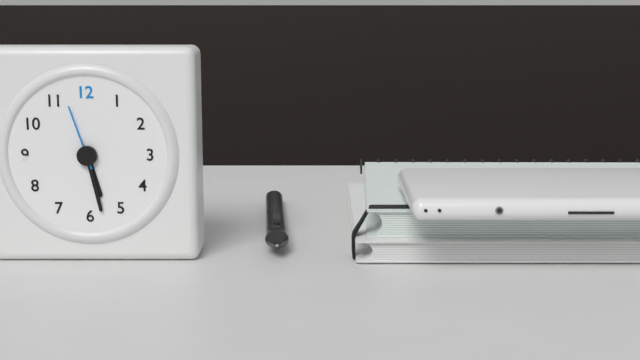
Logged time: 5:28:57
